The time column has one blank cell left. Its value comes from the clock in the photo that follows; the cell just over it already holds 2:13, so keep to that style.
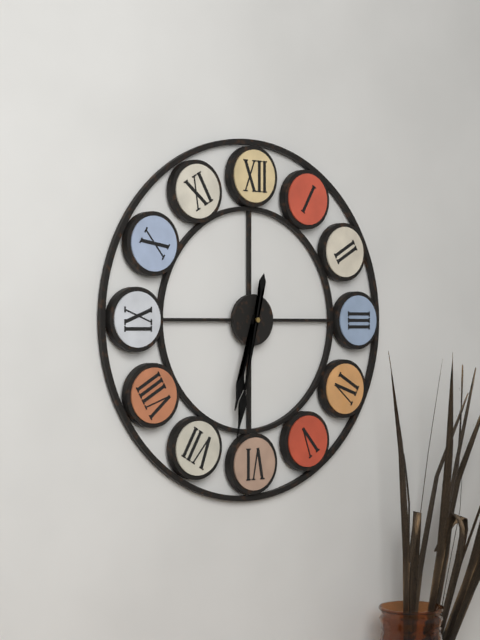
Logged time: 6:32
